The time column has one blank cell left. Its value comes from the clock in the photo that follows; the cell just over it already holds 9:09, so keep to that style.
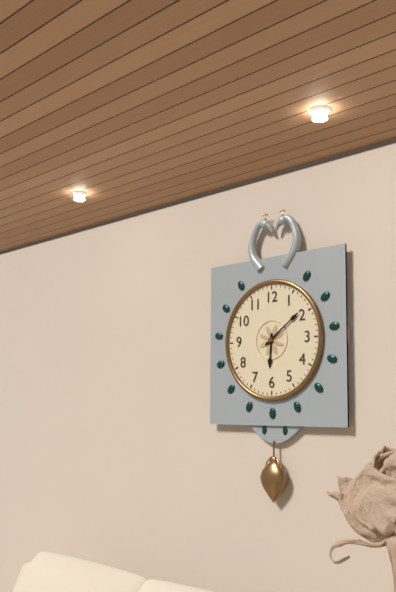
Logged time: 6:09
